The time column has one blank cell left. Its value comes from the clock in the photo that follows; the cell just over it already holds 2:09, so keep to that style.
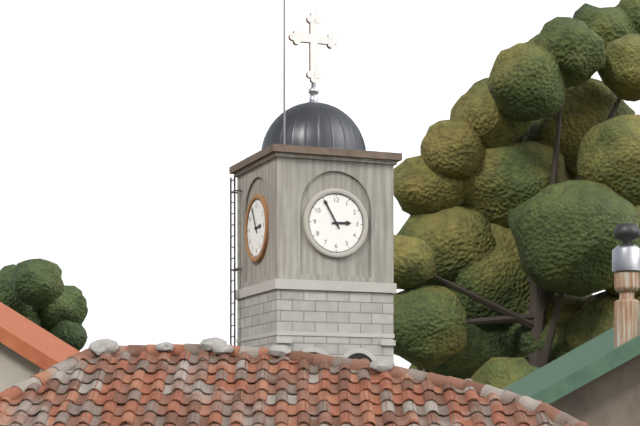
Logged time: 2:55
